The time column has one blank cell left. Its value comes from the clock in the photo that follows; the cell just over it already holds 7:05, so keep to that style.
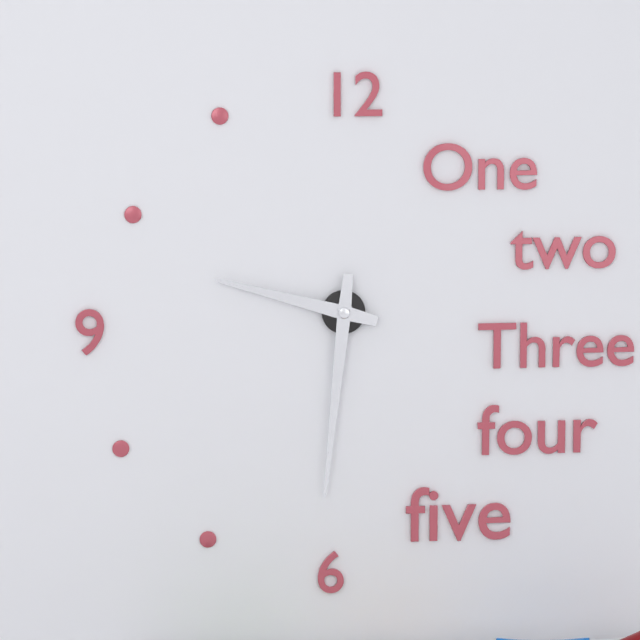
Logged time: 9:31
